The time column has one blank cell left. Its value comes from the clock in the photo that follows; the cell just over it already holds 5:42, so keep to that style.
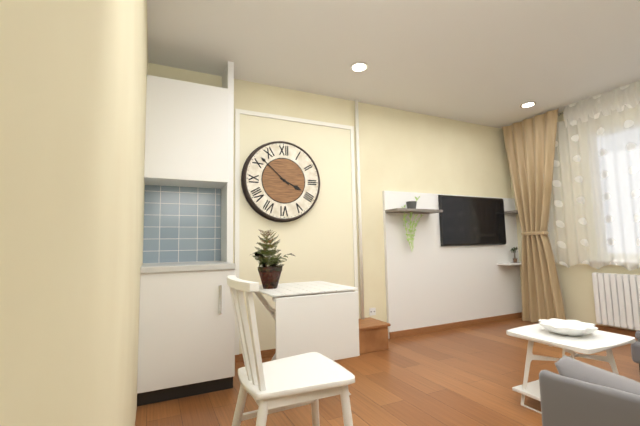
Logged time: 3:52
